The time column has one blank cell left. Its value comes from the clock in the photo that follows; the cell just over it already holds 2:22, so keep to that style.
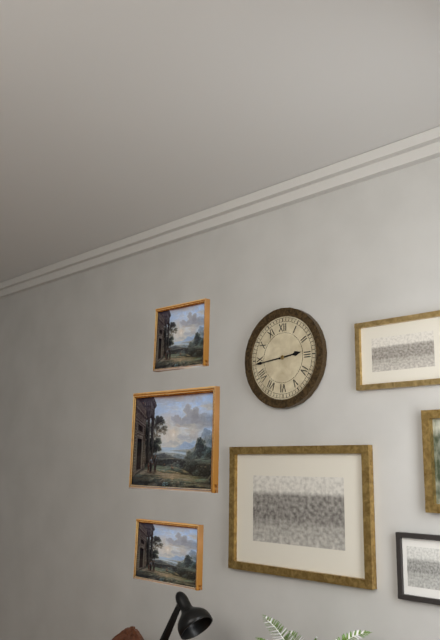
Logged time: 2:44
